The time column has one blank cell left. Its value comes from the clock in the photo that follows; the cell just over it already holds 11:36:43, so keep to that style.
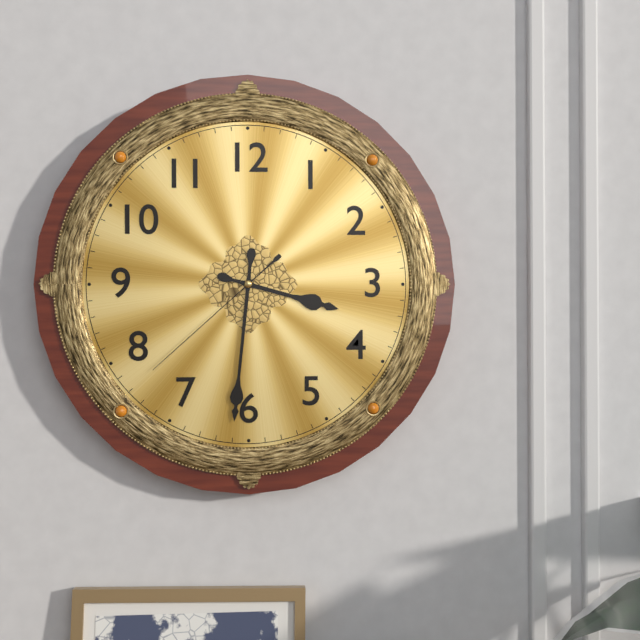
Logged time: 3:31:38
